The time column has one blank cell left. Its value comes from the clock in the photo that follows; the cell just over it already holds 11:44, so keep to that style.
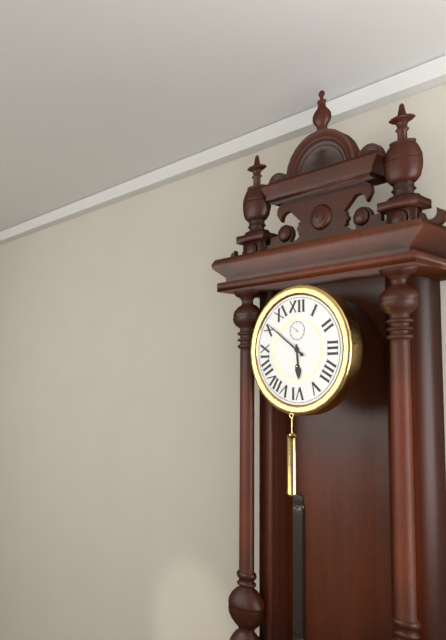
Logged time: 5:51
